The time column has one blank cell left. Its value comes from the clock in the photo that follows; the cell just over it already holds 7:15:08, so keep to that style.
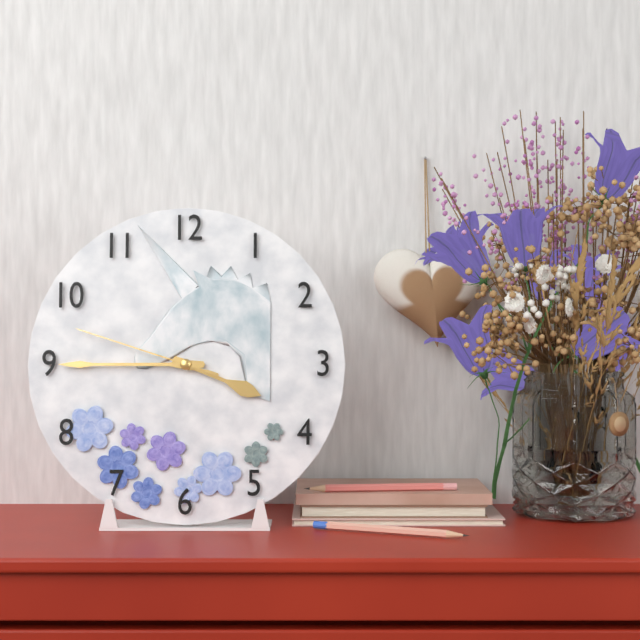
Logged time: 3:45:48
